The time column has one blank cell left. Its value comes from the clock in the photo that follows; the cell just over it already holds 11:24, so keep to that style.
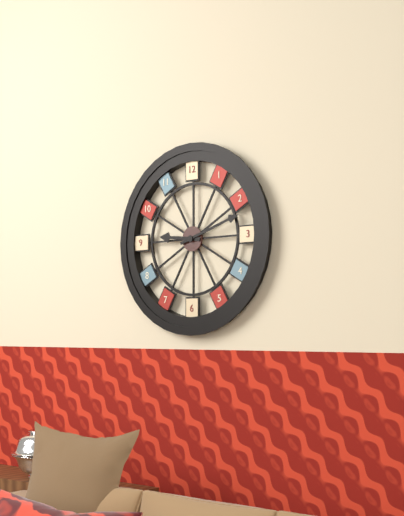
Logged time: 9:12
